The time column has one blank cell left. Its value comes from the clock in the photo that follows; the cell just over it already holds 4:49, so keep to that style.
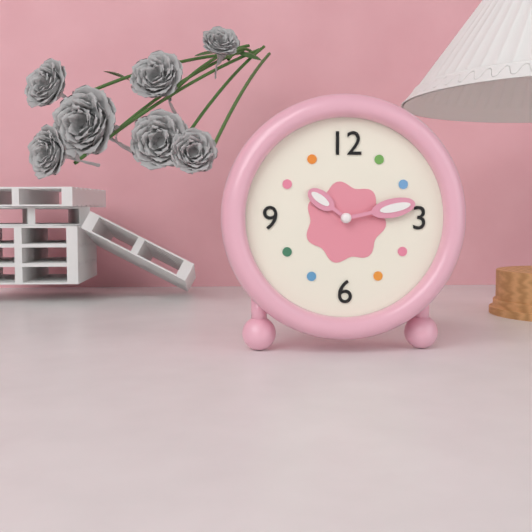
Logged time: 10:13
